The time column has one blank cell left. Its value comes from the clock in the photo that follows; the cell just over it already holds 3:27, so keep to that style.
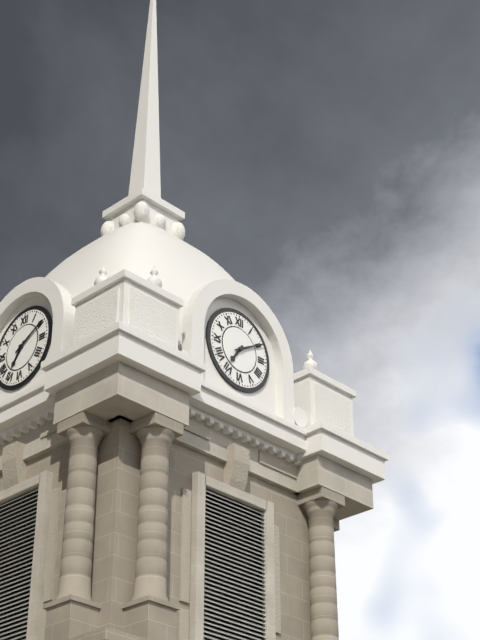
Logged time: 7:10
